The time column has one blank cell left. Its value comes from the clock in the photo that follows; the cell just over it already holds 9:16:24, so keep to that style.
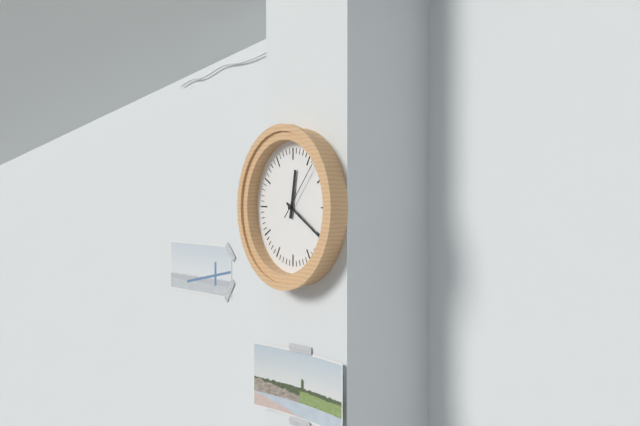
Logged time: 12:20:07
